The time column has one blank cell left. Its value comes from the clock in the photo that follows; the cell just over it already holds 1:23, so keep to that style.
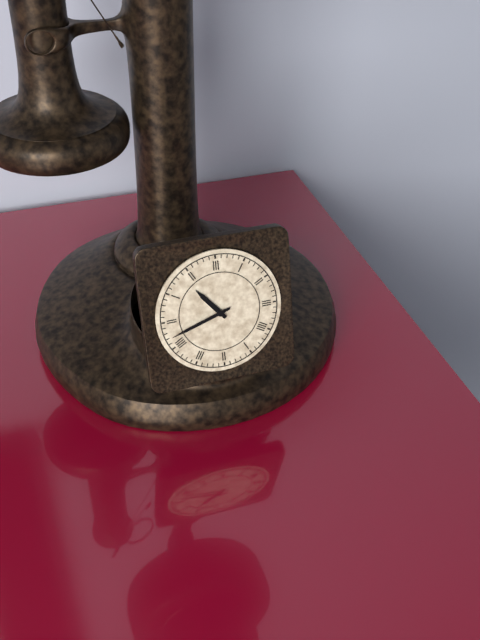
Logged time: 10:42
